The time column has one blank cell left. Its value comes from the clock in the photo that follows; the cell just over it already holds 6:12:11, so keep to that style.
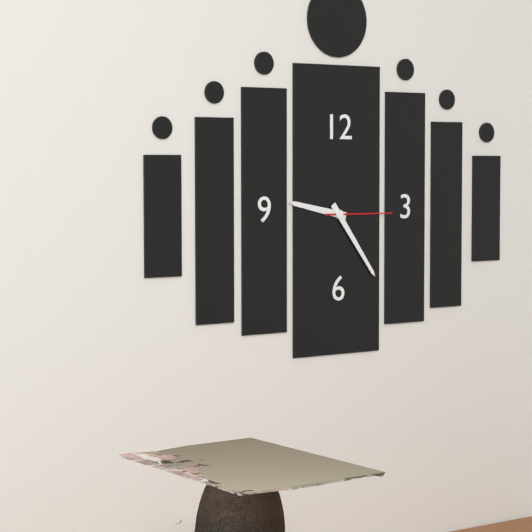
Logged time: 9:24:15
